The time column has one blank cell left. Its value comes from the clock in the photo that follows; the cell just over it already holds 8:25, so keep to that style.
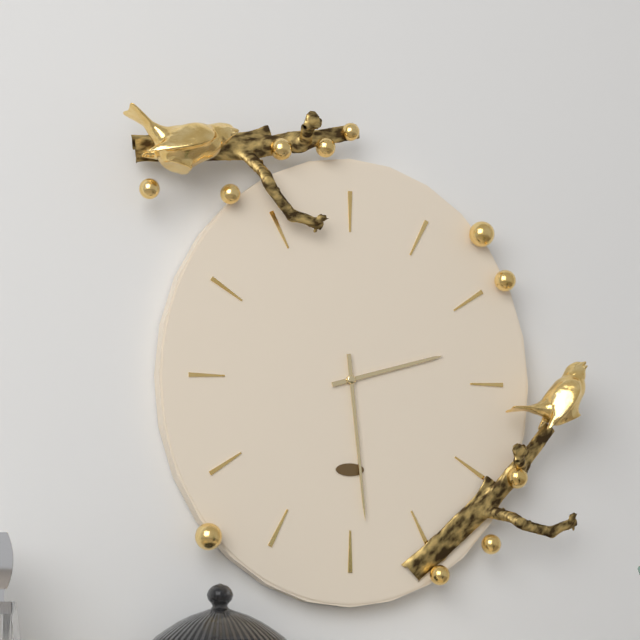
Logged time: 2:29
